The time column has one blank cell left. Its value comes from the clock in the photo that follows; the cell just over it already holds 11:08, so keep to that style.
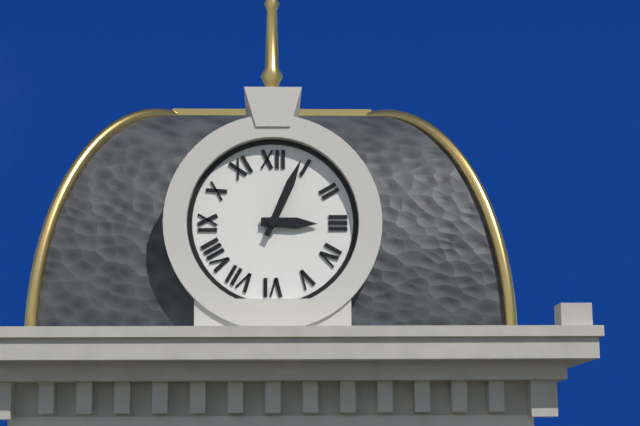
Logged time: 3:04
